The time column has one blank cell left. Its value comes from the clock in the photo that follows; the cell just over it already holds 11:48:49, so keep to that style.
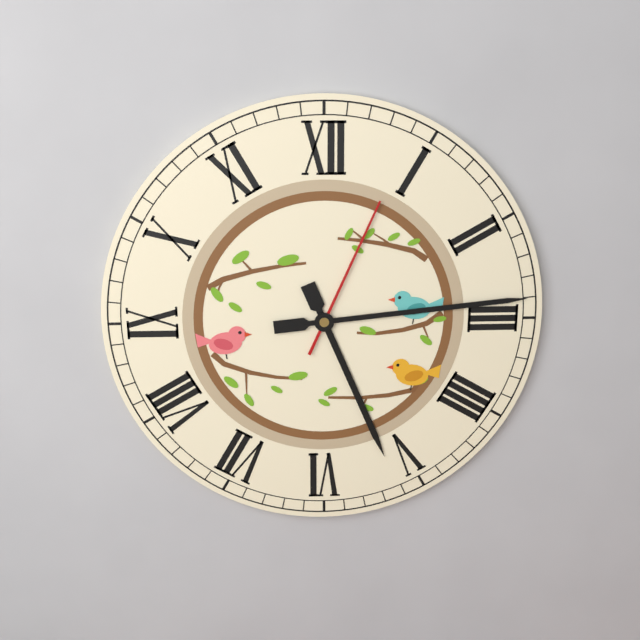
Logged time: 5:14:04
